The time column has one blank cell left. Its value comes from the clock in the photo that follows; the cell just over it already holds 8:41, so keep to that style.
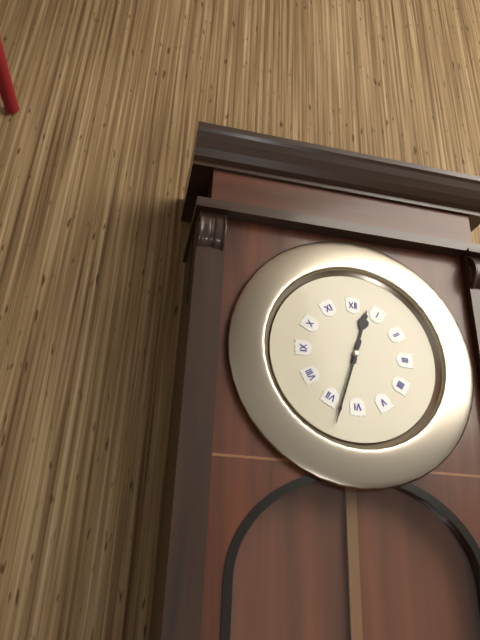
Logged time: 12:33
